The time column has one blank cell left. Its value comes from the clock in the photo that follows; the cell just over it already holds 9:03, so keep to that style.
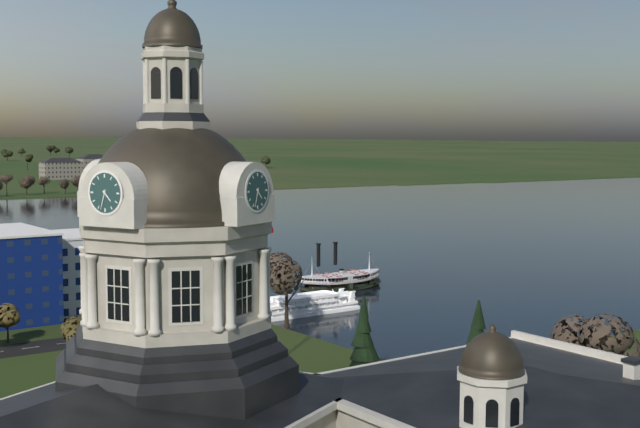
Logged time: 4:33
